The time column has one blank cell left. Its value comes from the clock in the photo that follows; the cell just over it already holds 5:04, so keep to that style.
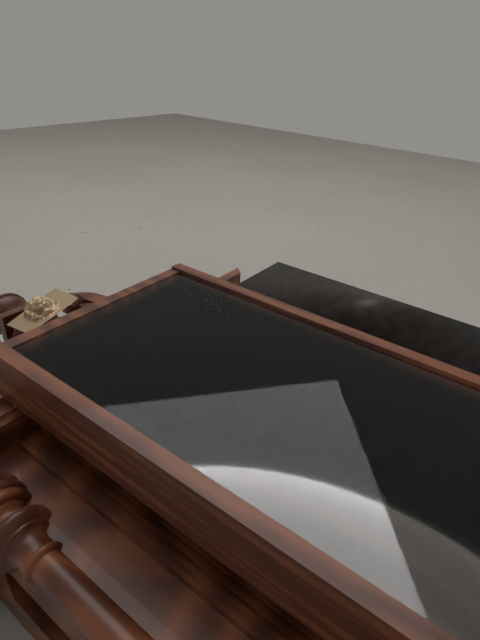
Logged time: 3:26
